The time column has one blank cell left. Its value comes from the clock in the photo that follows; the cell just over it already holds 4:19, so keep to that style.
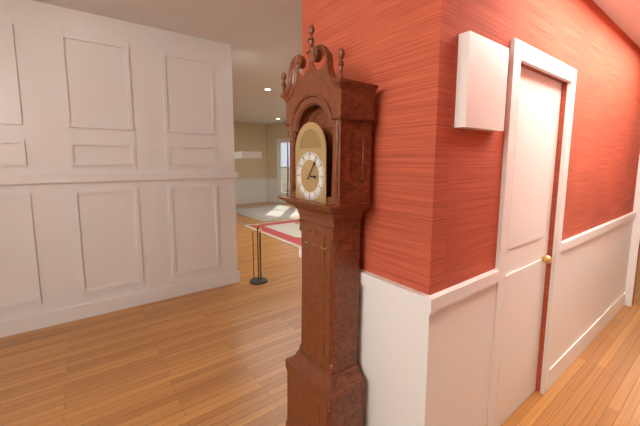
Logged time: 3:06
